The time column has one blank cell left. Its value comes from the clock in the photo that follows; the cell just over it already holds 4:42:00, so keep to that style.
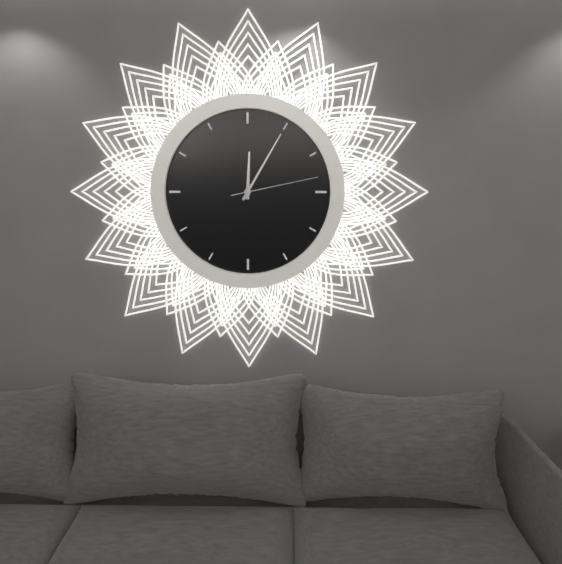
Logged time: 12:05:13
